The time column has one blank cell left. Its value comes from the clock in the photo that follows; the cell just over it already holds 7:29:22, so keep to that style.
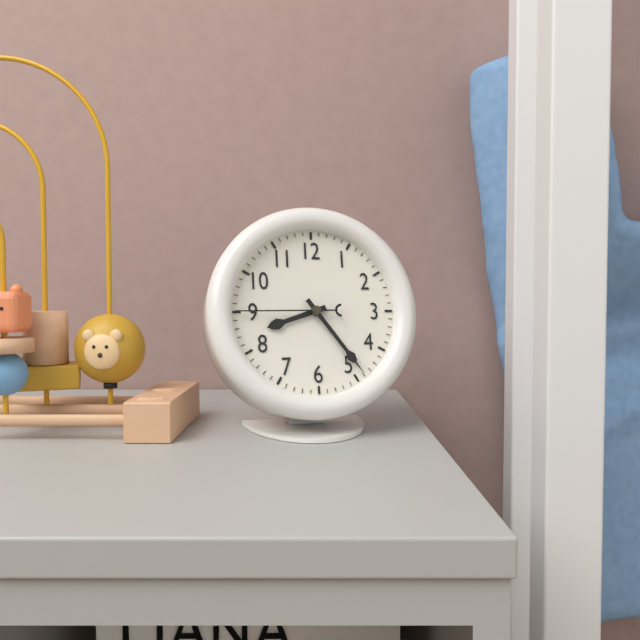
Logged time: 8:24:45
